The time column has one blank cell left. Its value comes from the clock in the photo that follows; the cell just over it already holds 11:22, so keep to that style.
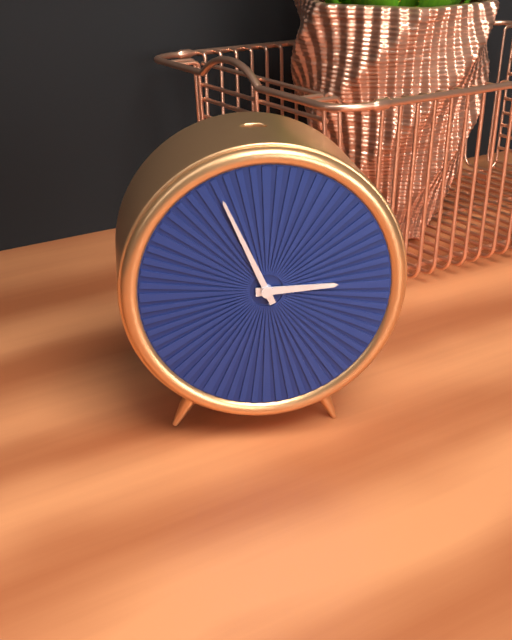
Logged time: 2:56
